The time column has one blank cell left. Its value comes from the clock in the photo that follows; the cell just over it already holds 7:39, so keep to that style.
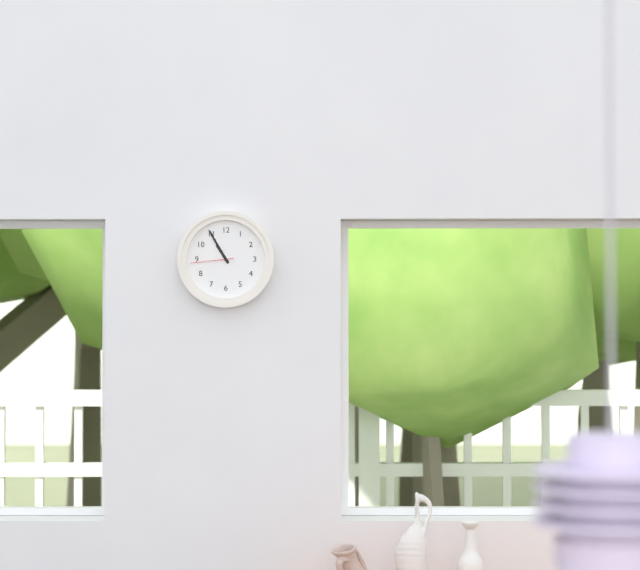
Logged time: 10:55
